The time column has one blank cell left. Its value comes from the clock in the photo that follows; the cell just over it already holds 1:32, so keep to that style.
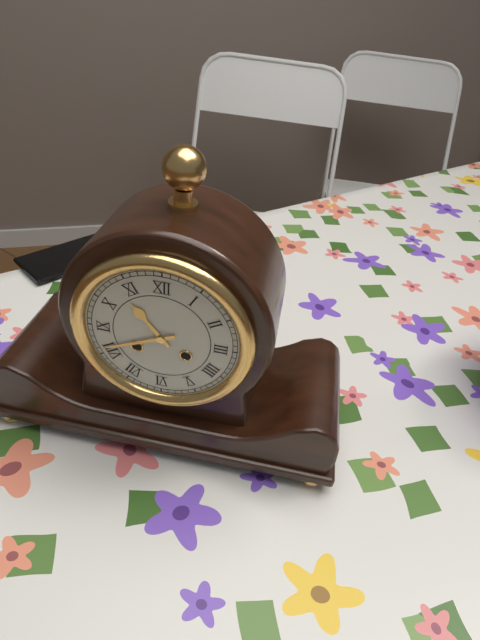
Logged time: 10:41
